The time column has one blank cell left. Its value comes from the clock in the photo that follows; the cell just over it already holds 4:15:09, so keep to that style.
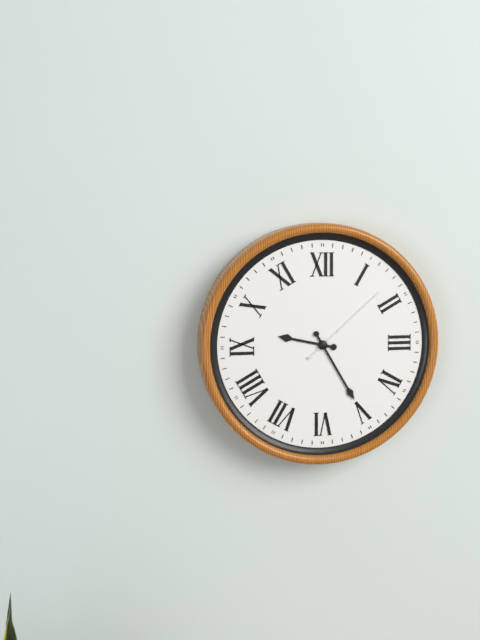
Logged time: 9:25:08
